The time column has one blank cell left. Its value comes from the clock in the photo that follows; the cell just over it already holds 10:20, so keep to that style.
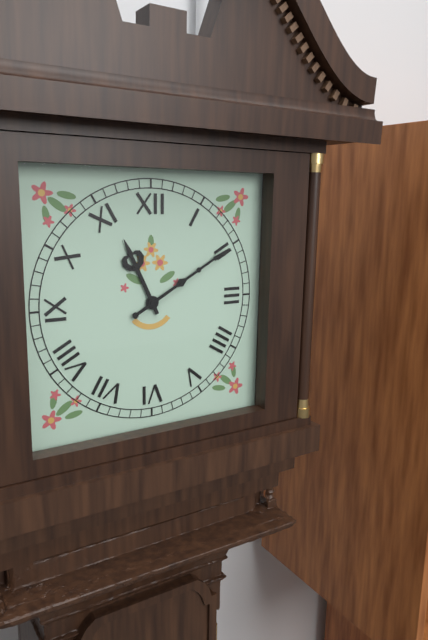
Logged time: 11:10
